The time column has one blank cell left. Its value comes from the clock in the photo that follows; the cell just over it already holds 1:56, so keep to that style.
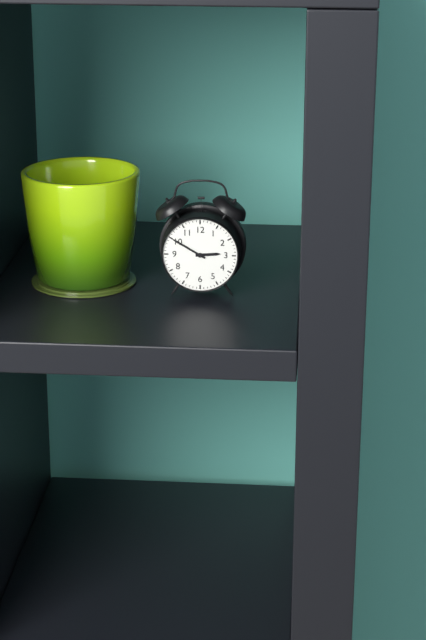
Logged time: 2:50
